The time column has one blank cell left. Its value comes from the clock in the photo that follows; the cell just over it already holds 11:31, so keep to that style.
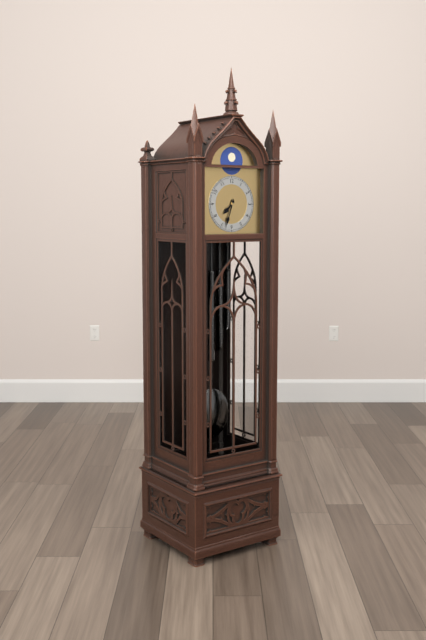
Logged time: 7:33
